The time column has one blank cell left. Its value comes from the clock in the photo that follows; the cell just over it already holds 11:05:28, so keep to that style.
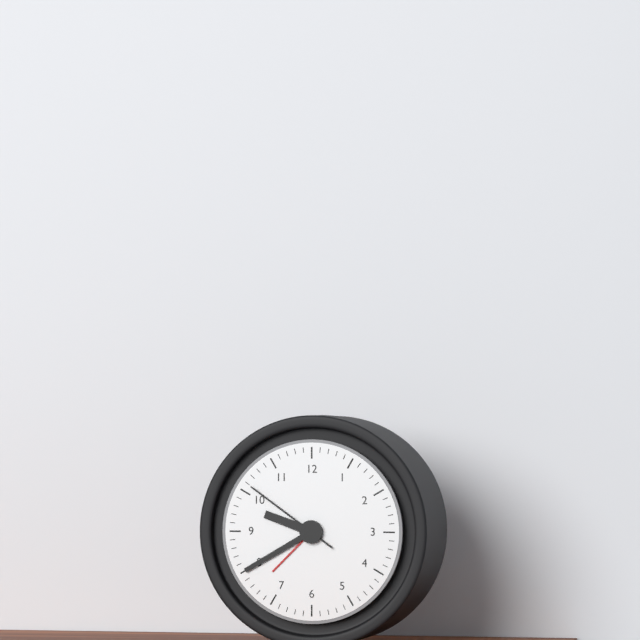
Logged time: 9:40:51
